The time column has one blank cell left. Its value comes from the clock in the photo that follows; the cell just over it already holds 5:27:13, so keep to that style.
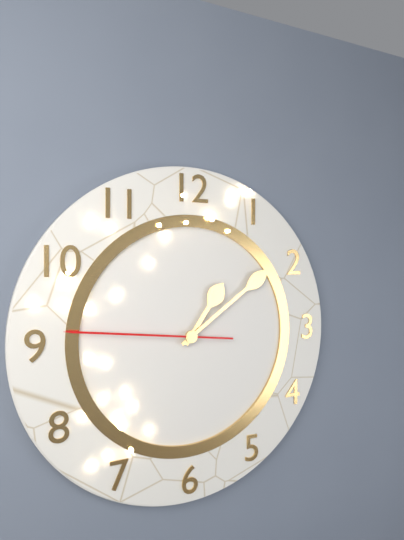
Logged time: 1:09:46
